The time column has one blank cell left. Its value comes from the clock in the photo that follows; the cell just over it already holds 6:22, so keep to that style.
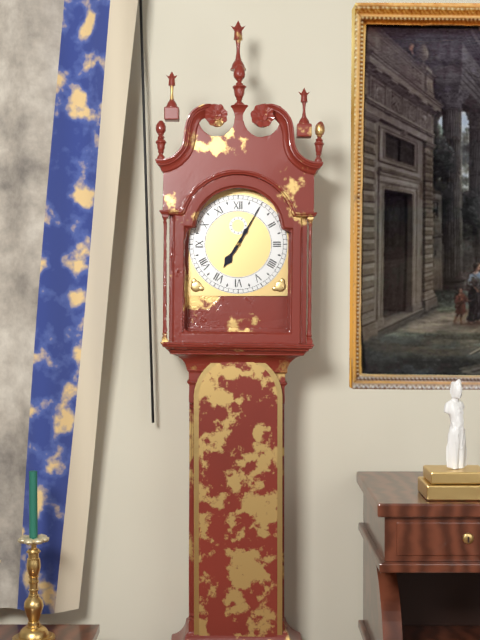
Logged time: 7:05
